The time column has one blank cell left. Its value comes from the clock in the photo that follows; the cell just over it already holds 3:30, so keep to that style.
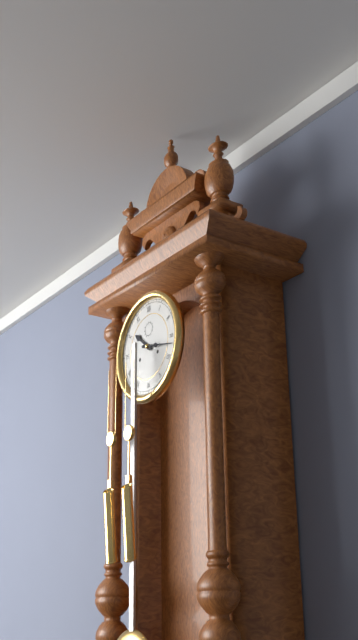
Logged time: 10:17
